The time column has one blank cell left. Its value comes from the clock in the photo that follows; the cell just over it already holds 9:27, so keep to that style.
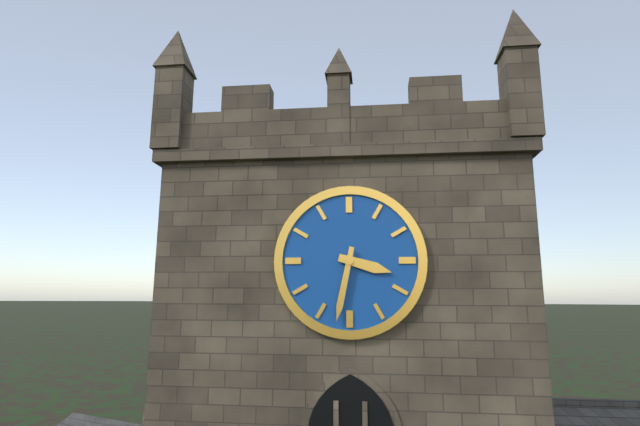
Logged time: 3:32
